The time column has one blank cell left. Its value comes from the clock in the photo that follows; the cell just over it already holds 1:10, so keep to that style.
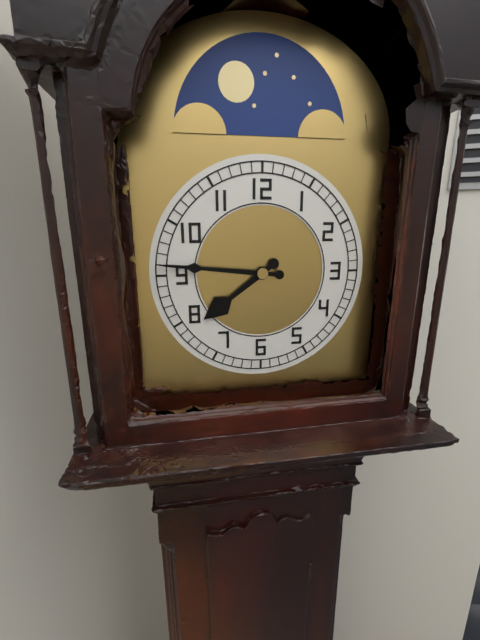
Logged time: 7:46
